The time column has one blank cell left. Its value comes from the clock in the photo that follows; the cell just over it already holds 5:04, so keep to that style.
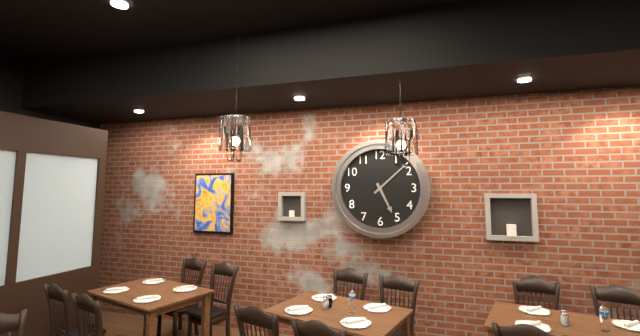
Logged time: 5:08
